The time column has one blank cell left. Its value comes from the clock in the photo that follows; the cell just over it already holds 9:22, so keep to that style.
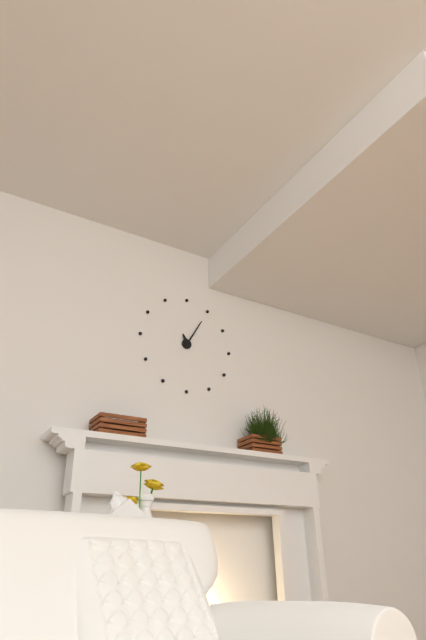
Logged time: 11:05
